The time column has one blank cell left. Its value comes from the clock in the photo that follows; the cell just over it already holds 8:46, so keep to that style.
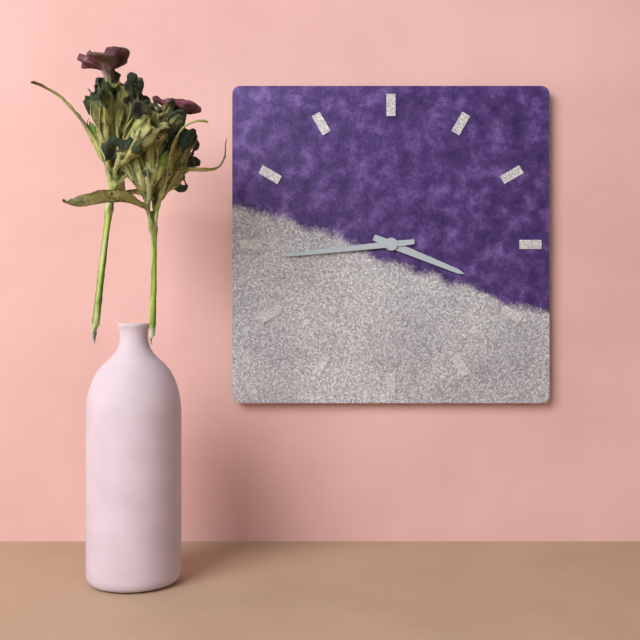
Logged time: 3:44
